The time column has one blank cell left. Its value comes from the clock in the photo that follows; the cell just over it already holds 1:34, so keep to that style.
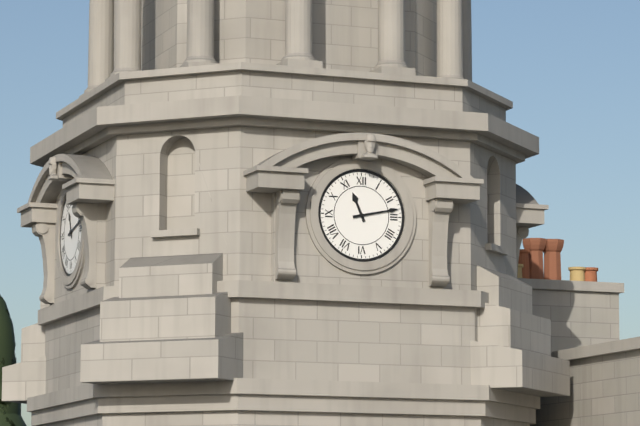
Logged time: 11:13
